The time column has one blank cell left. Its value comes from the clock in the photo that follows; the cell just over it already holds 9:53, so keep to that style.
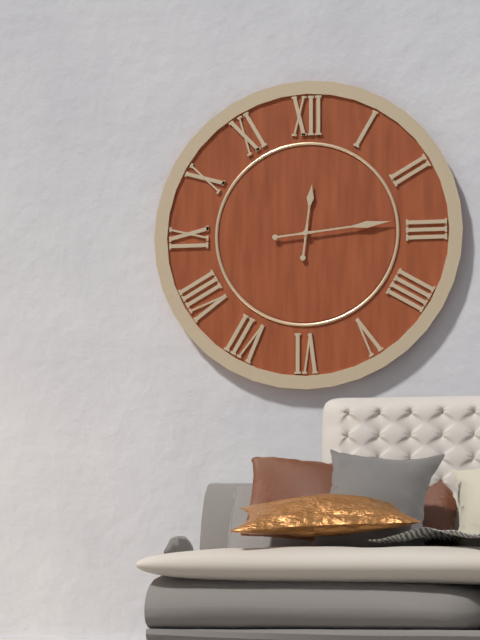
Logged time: 12:14
